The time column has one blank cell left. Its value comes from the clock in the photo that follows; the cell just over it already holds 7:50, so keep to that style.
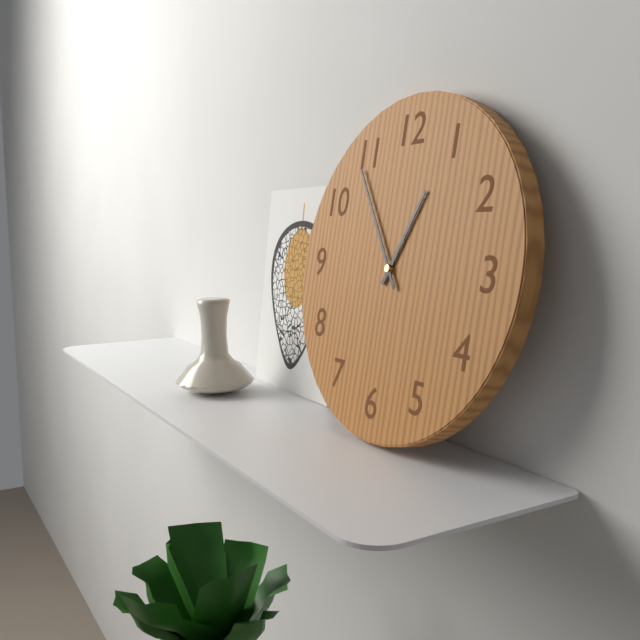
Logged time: 12:54
